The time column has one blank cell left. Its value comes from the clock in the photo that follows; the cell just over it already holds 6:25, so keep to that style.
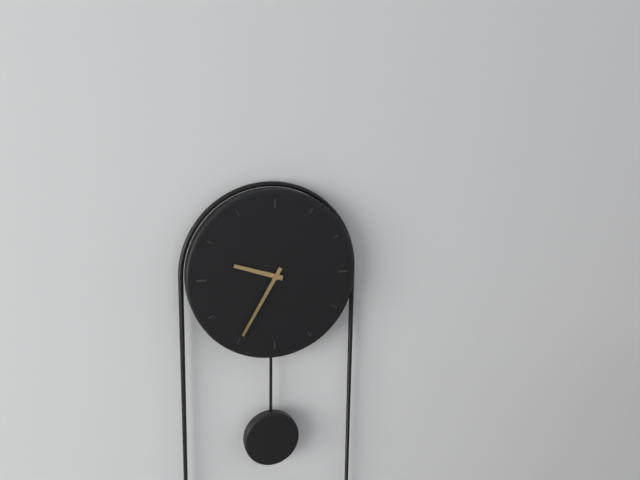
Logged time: 9:35
